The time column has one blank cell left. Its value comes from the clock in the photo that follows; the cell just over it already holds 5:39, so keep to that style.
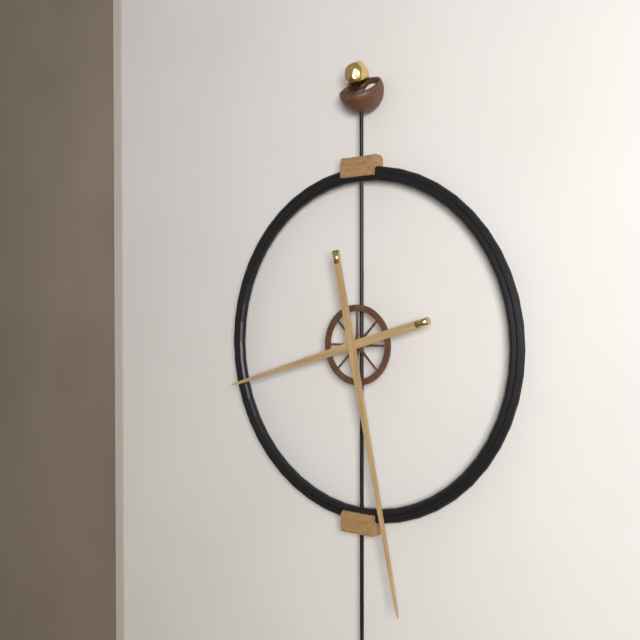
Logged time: 8:28
